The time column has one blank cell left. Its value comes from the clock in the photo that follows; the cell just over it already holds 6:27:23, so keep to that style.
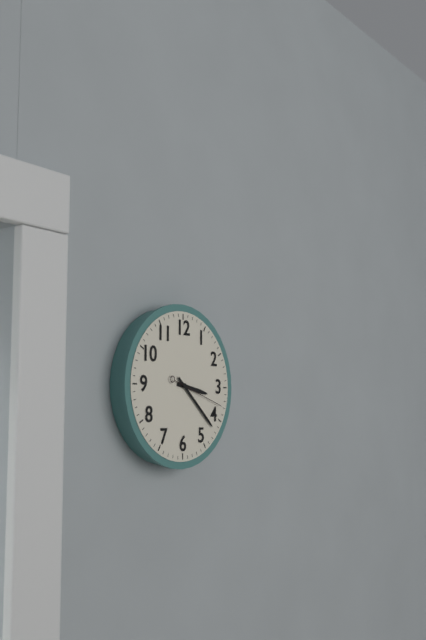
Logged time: 3:22:18
